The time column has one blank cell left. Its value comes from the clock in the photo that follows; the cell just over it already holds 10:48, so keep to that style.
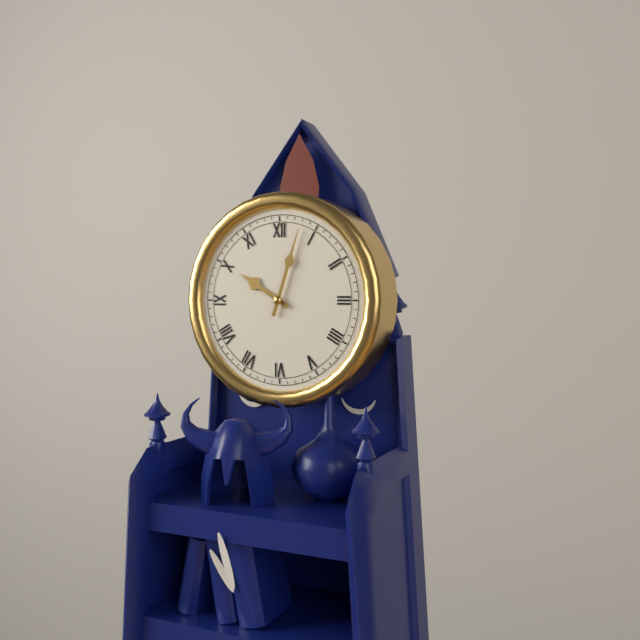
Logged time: 10:03
